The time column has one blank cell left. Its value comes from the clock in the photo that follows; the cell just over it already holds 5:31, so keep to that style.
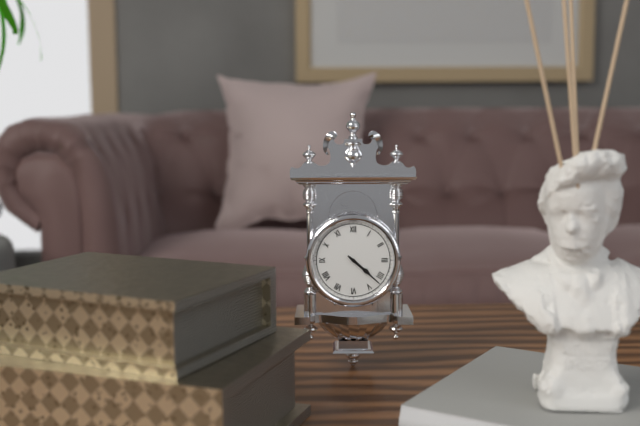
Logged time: 4:22
